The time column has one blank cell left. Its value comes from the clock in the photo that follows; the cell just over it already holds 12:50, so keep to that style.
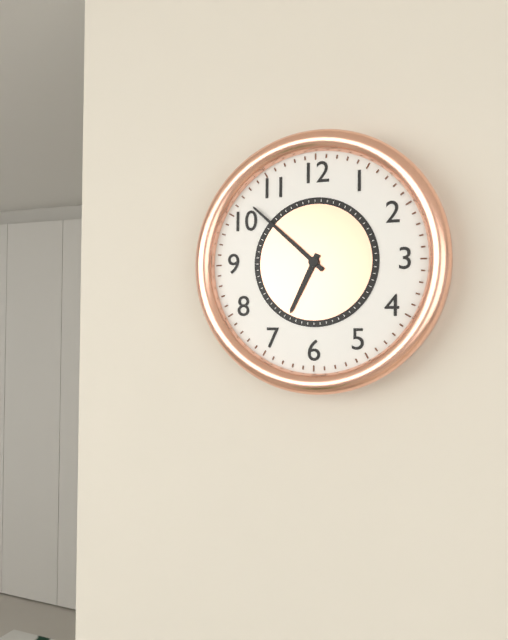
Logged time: 6:52
